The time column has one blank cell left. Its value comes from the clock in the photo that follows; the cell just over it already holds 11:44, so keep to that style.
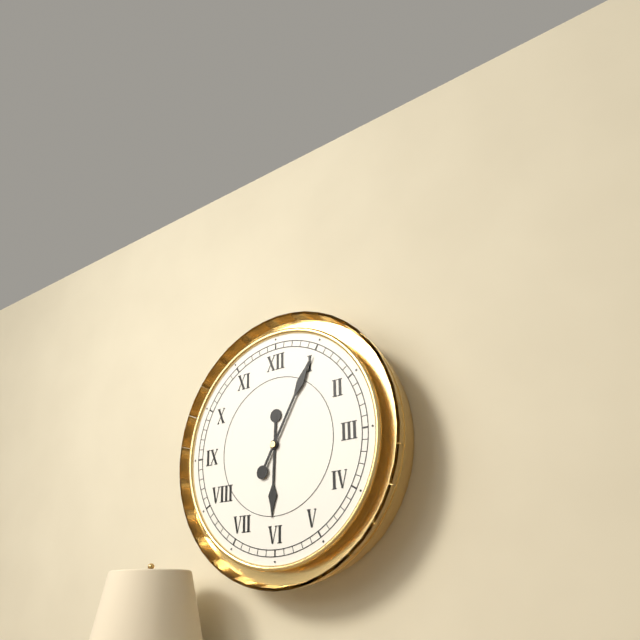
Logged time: 6:05
